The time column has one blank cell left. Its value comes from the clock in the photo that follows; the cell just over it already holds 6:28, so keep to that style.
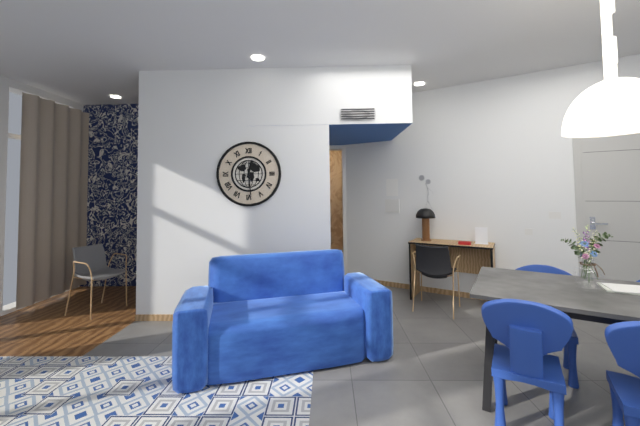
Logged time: 12:29
